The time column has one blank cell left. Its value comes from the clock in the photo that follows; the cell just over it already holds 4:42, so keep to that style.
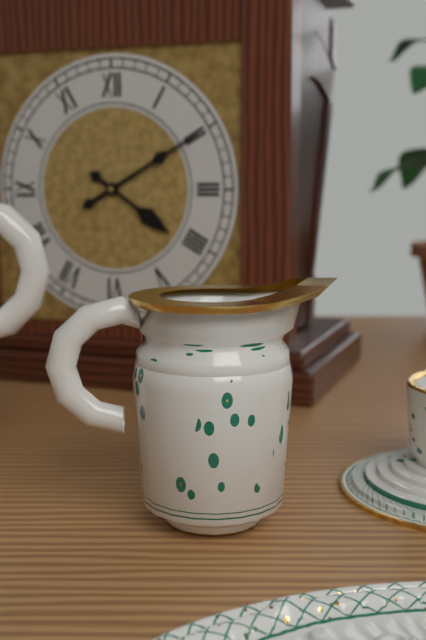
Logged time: 4:10
